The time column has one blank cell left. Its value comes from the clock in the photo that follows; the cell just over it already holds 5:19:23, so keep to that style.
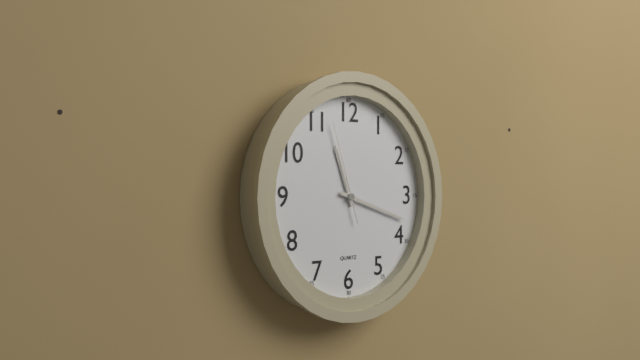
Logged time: 11:18:57
